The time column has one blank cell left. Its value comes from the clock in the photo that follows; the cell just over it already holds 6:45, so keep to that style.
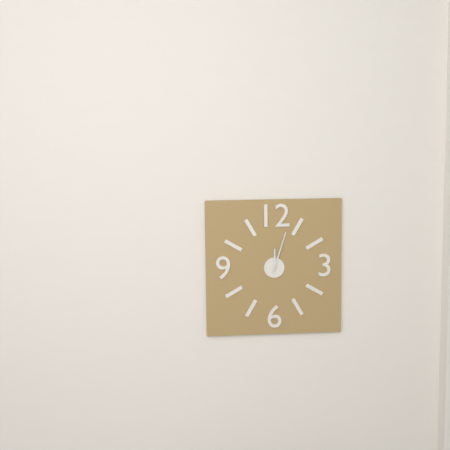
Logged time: 12:03
